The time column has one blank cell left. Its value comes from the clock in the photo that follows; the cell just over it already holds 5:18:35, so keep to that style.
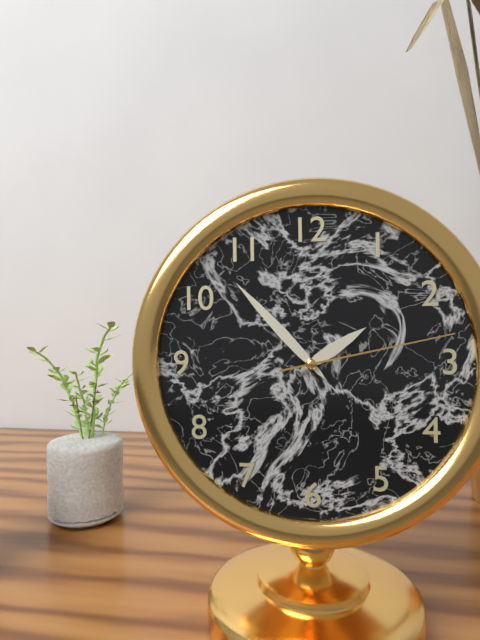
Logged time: 1:53:13
